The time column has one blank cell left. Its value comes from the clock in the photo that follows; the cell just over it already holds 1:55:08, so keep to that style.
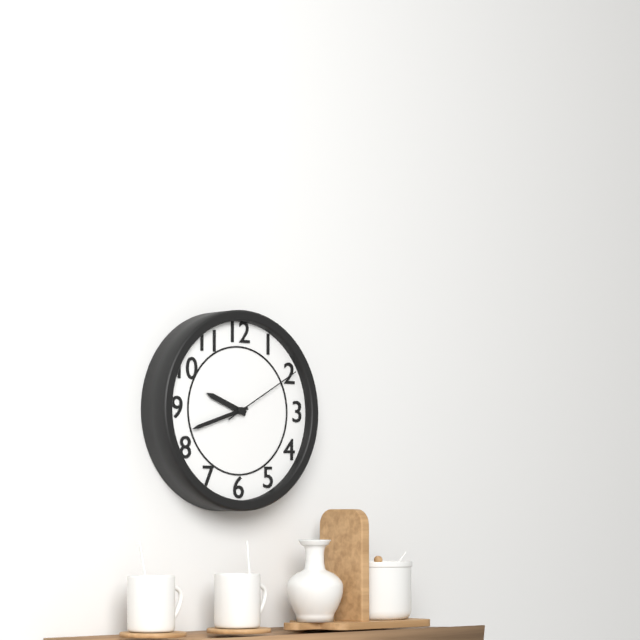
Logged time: 9:42:10
